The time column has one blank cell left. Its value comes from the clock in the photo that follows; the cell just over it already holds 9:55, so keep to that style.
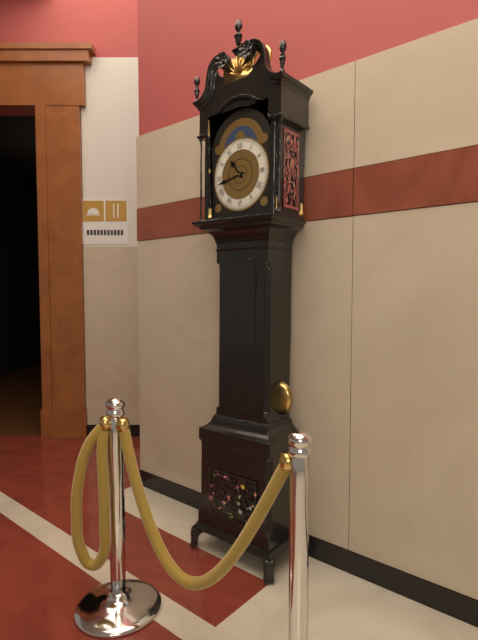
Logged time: 10:43
